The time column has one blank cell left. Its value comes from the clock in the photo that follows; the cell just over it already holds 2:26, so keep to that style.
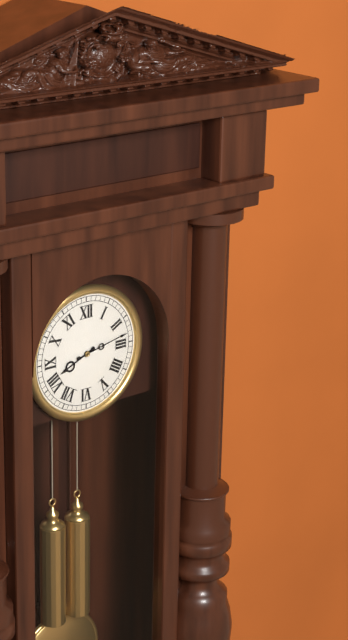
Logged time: 8:13
